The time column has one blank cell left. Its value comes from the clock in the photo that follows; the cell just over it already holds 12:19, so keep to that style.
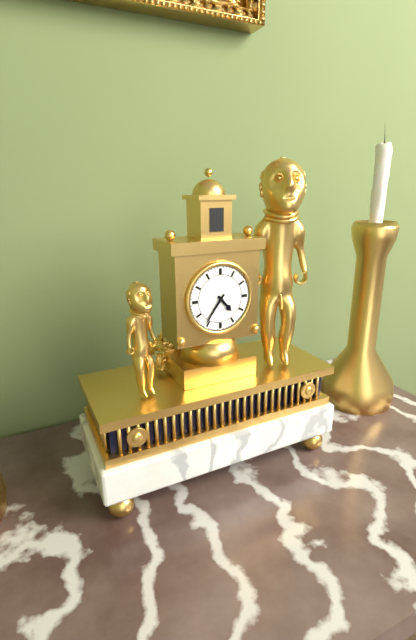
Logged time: 4:36
